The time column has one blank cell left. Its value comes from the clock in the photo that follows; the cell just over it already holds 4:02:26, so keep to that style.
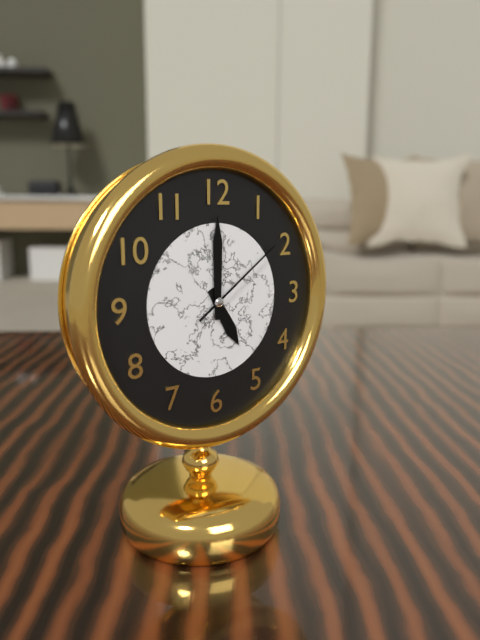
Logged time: 5:00:09
